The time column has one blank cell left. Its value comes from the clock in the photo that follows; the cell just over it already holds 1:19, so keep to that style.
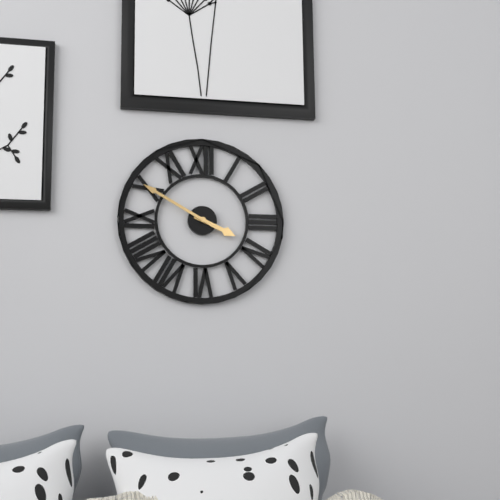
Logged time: 3:50
